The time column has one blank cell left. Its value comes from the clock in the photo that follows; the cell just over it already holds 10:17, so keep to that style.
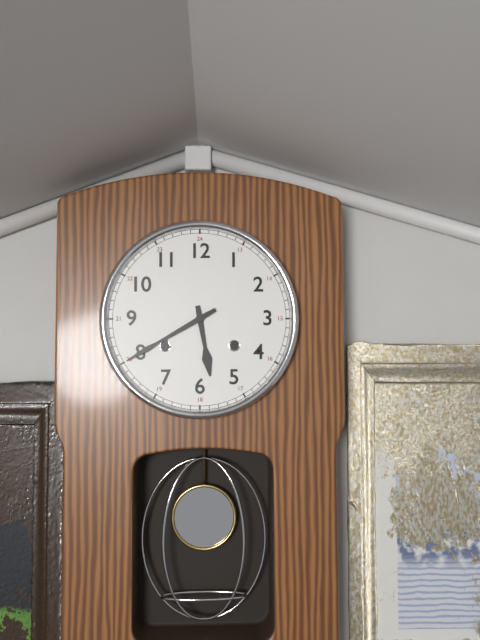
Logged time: 5:40
